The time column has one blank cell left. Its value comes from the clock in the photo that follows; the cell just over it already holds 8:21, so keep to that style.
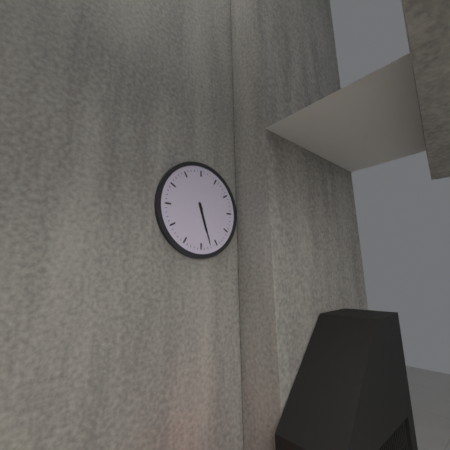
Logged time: 5:27
